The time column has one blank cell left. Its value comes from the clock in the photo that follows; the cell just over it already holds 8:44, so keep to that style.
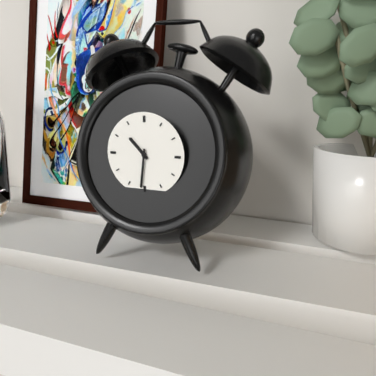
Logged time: 10:31
